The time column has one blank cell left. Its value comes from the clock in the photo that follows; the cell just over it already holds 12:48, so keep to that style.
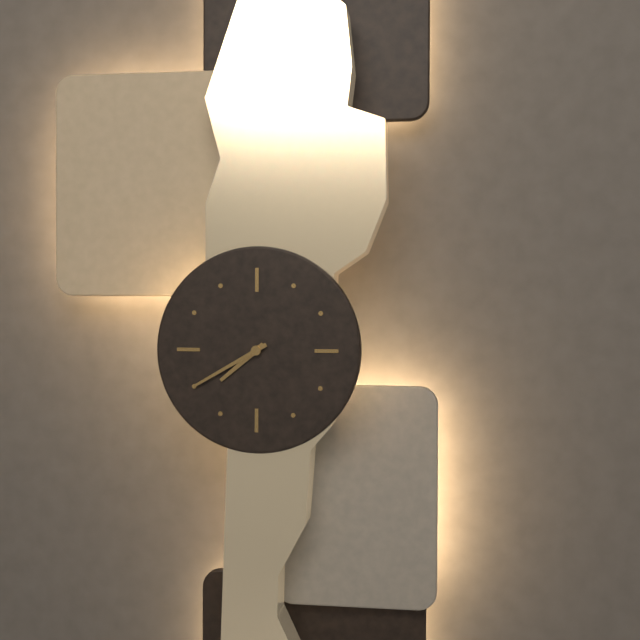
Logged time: 7:40
